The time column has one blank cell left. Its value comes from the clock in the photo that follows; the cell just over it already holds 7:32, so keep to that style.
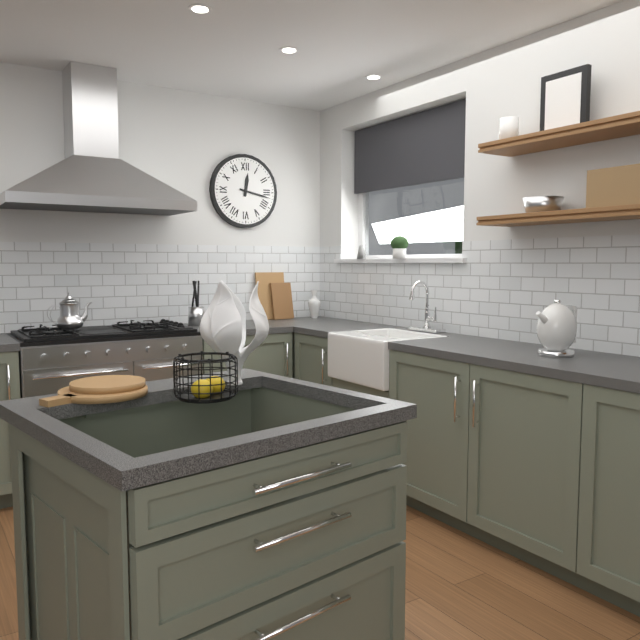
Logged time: 12:17
